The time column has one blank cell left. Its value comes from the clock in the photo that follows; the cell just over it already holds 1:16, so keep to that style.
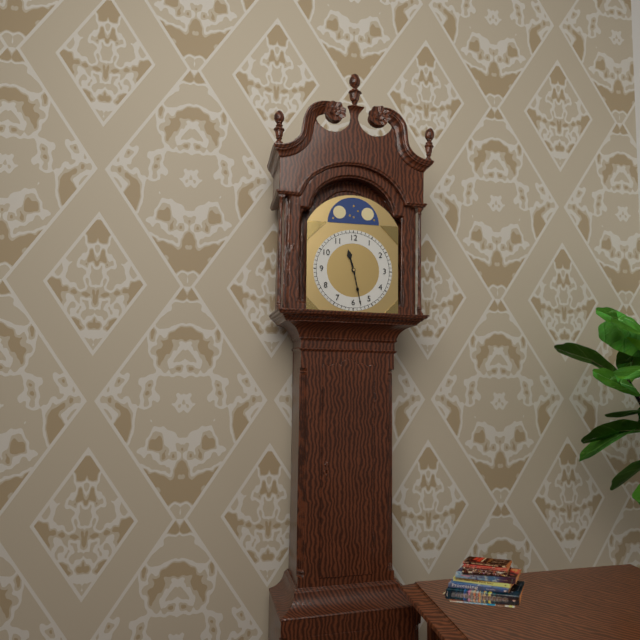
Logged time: 11:28
